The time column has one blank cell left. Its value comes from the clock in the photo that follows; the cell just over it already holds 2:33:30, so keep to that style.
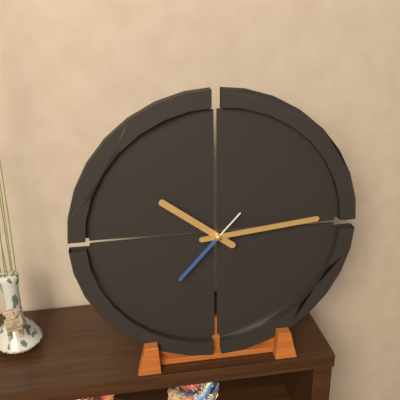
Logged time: 10:14:37
